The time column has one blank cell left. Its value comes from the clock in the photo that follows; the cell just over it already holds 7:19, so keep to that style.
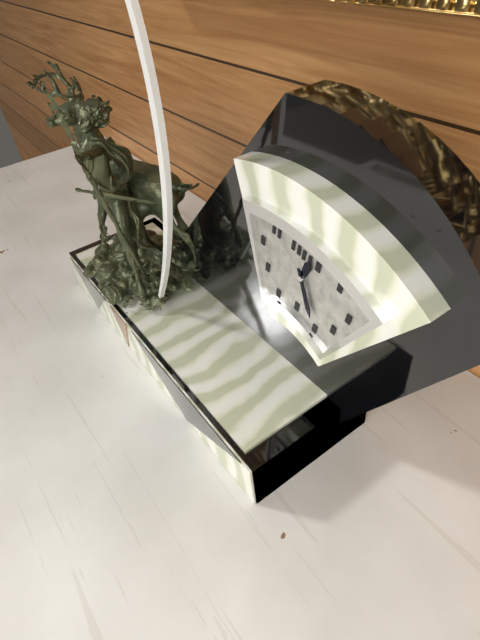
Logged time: 12:25
